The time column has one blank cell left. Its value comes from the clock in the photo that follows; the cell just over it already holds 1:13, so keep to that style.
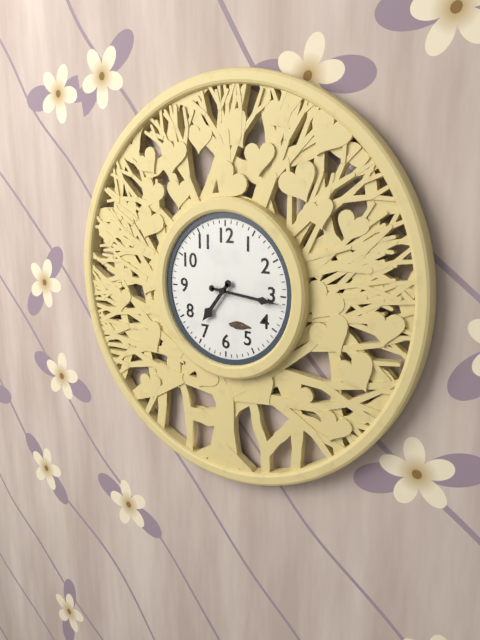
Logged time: 7:16
